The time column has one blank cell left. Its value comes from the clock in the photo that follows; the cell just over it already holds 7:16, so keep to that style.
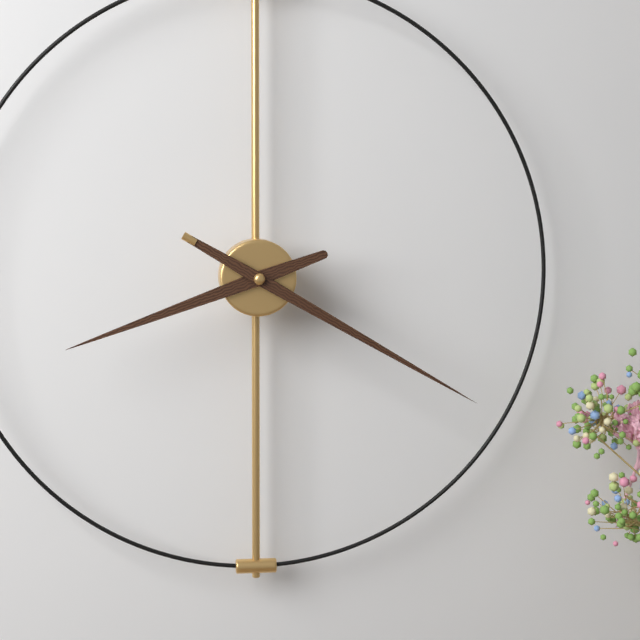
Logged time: 8:20
